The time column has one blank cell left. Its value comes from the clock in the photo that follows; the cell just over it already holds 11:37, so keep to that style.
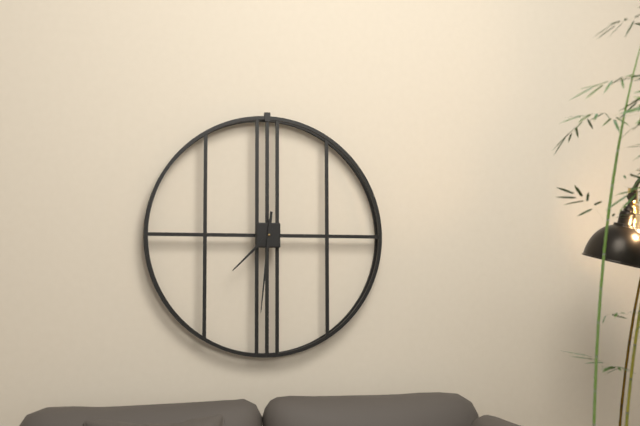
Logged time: 7:31
